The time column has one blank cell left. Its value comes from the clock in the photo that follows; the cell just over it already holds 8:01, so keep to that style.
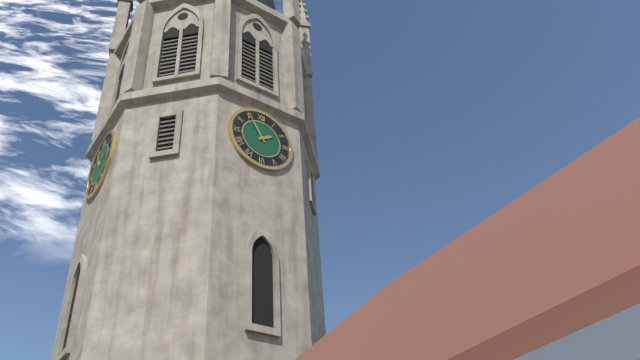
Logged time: 1:55
